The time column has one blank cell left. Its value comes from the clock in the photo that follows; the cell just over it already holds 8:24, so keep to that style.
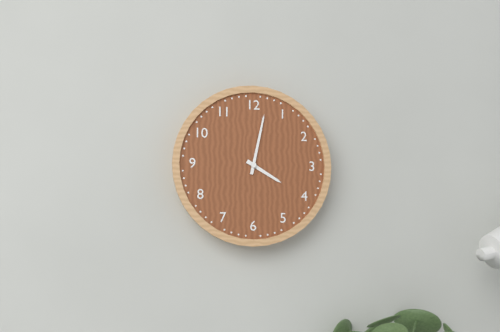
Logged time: 4:02
